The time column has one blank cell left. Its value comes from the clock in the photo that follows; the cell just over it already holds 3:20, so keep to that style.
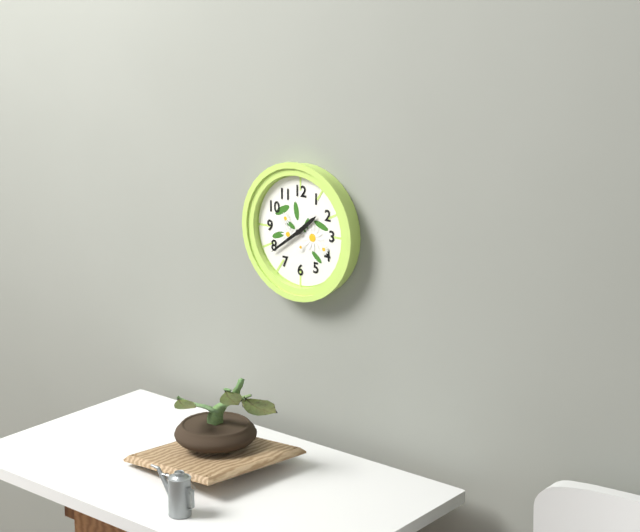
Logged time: 1:39
